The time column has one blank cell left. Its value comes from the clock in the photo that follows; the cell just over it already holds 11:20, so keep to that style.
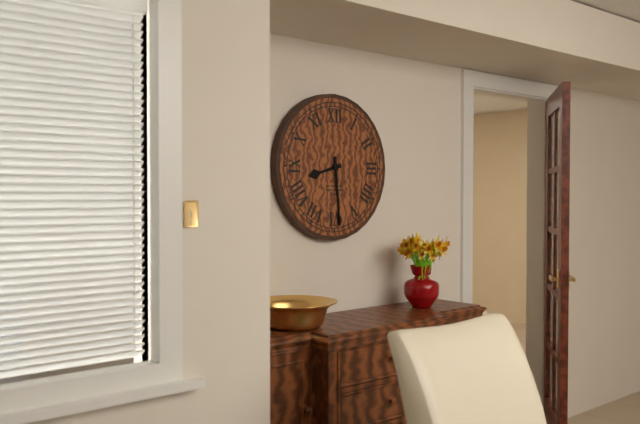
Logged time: 8:29
